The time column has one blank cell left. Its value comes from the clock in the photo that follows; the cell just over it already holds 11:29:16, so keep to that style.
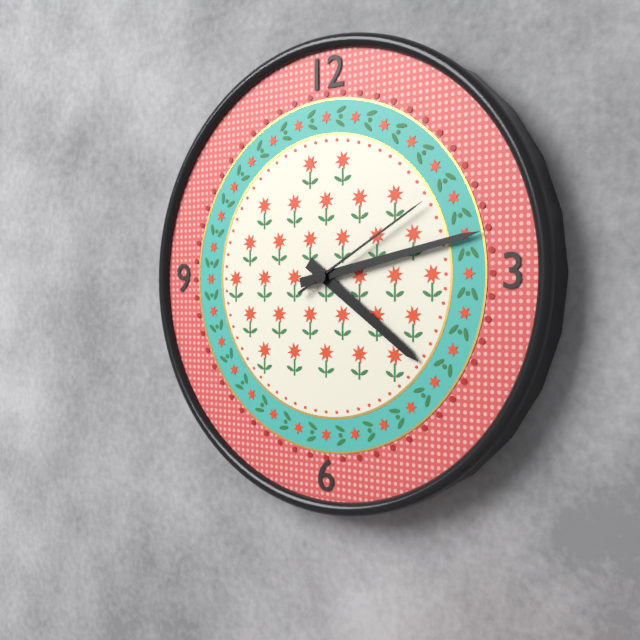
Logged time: 4:13:10
